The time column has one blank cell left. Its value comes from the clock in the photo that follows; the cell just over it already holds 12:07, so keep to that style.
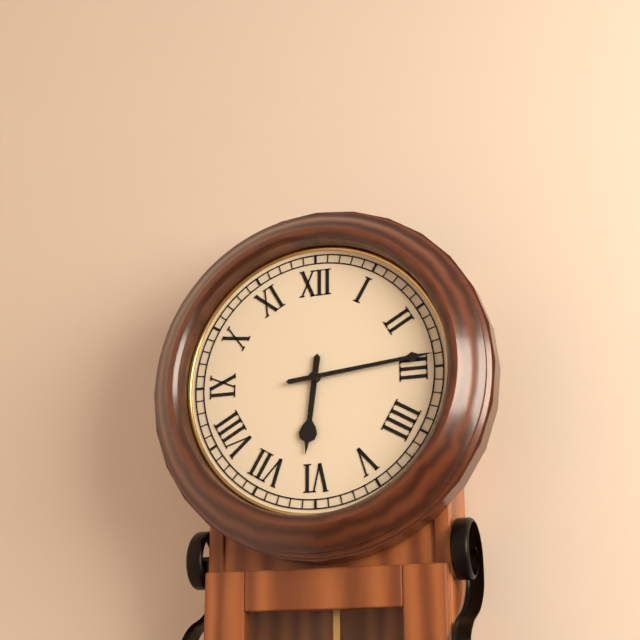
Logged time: 6:14
